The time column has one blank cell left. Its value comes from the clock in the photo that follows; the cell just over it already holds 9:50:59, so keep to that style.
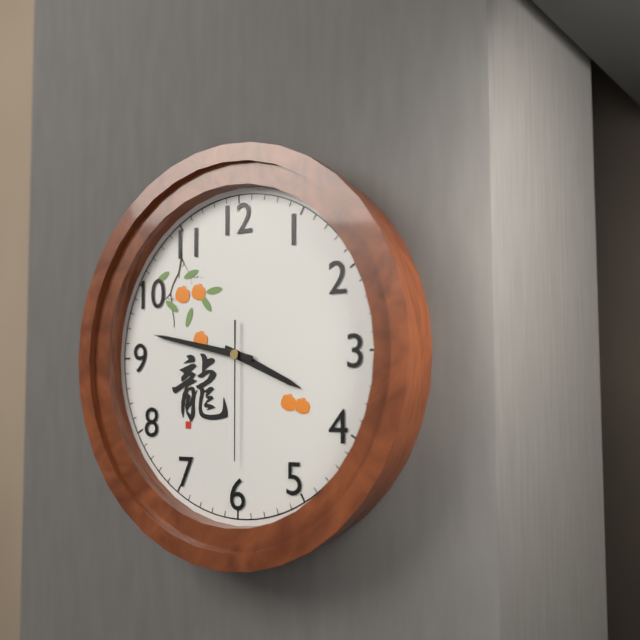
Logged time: 3:47:30
